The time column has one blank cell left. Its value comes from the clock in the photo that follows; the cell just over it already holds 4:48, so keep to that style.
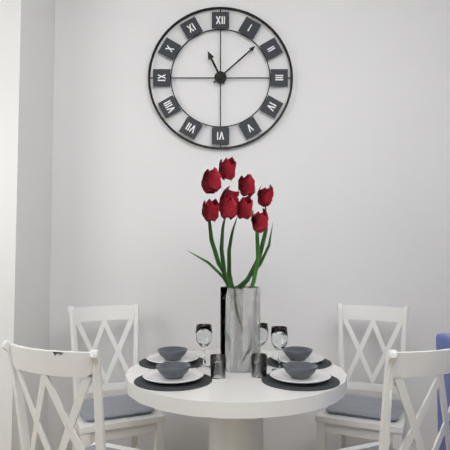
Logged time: 11:08
